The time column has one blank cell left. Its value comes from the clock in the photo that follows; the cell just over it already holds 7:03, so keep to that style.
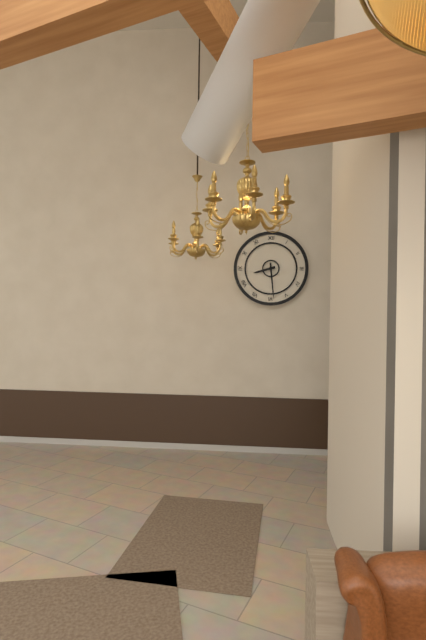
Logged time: 8:29
